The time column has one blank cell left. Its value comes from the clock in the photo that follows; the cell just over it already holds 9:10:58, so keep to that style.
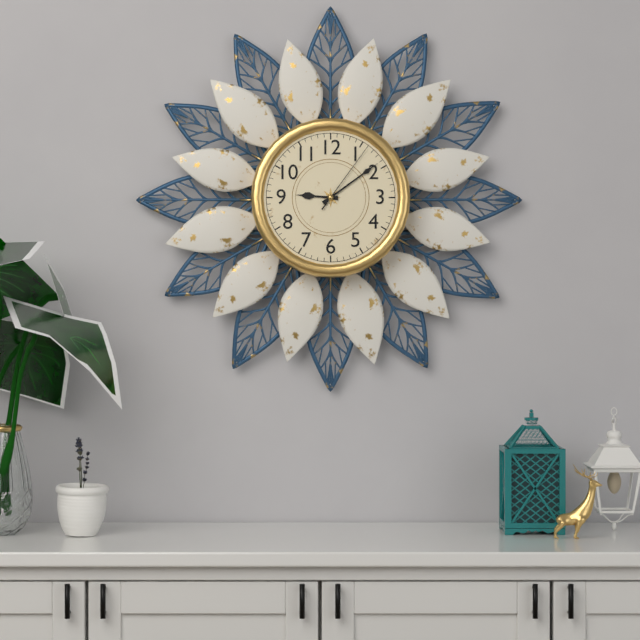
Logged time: 9:09:06
